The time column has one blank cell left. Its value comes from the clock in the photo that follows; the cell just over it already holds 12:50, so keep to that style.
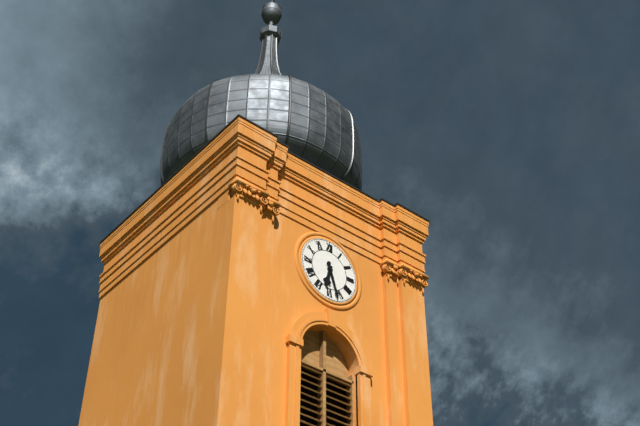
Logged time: 6:27
